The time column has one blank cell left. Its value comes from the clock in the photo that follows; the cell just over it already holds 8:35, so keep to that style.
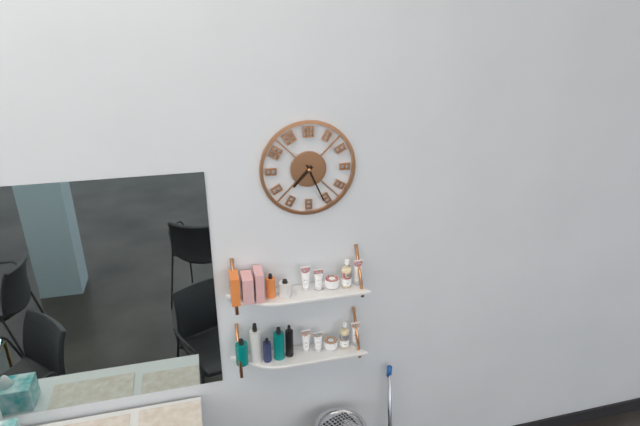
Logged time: 7:26
